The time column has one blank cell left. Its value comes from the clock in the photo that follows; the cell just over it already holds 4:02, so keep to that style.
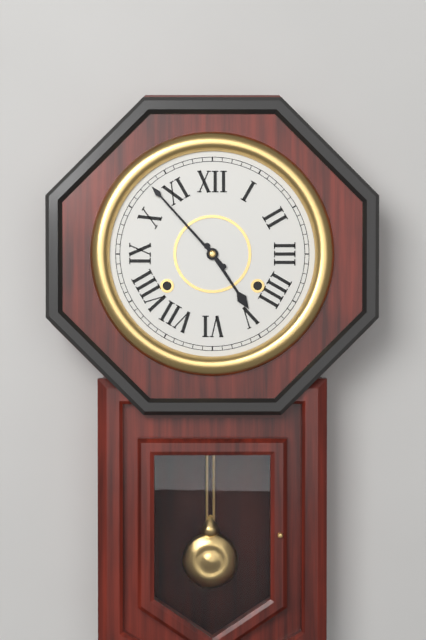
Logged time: 4:53
